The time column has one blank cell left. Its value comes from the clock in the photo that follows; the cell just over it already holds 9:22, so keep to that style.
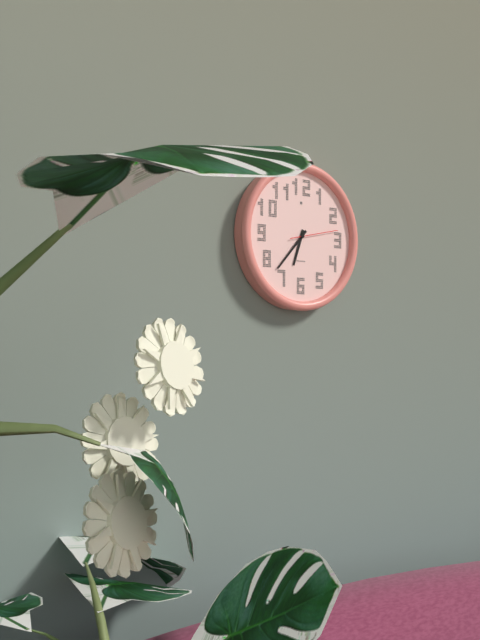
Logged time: 6:37
